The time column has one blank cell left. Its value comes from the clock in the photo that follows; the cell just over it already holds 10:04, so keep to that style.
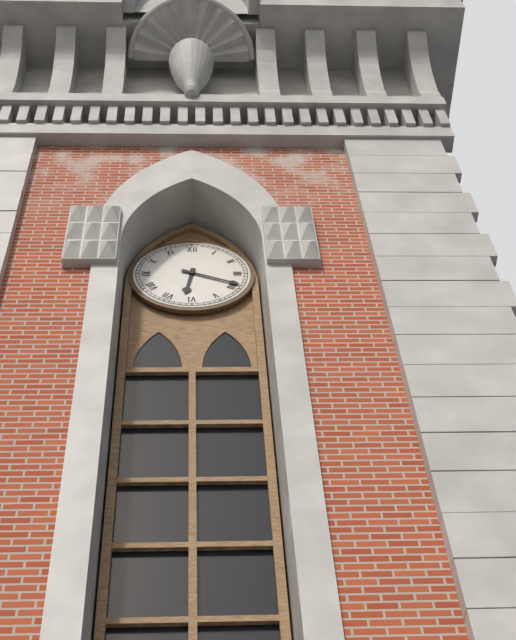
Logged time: 6:19
